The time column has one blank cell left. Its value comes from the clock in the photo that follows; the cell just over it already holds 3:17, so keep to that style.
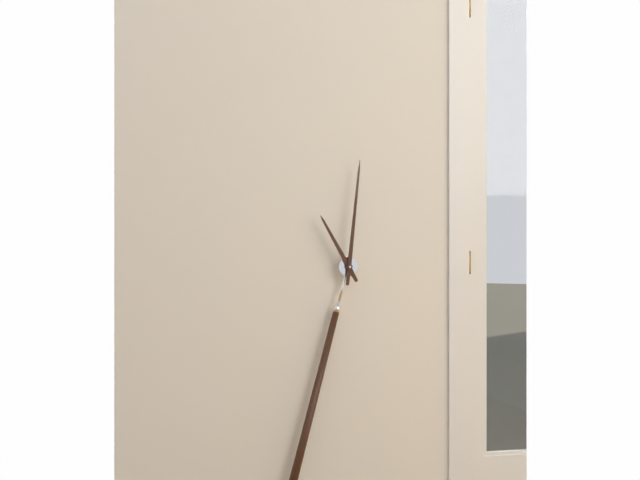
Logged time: 11:01
